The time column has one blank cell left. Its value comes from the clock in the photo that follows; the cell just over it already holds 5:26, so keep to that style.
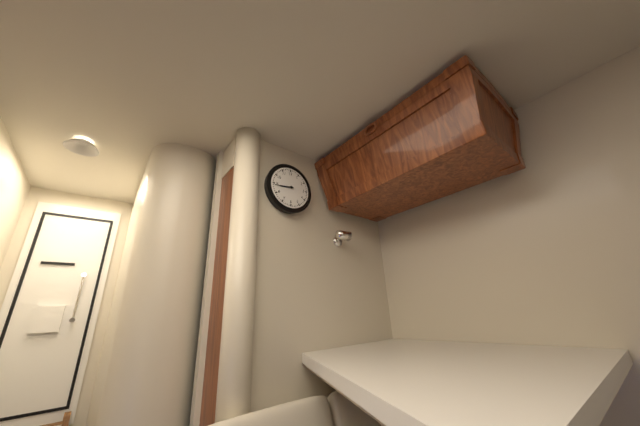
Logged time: 8:44
